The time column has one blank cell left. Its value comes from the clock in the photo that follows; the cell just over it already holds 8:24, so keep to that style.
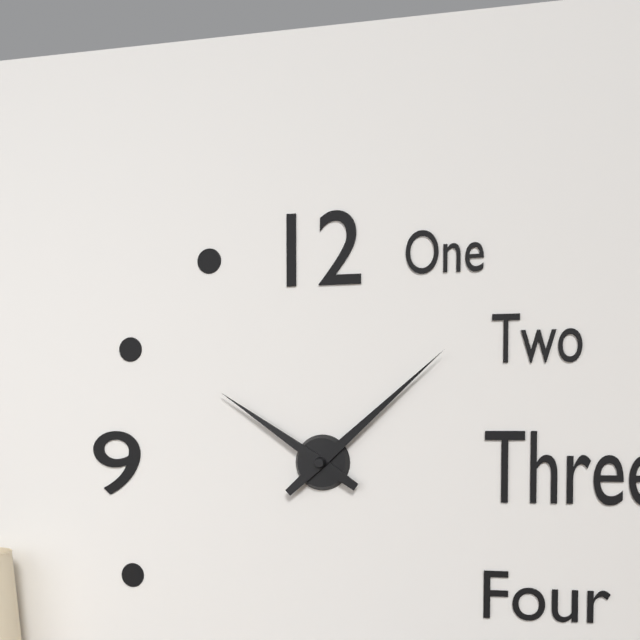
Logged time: 10:08
